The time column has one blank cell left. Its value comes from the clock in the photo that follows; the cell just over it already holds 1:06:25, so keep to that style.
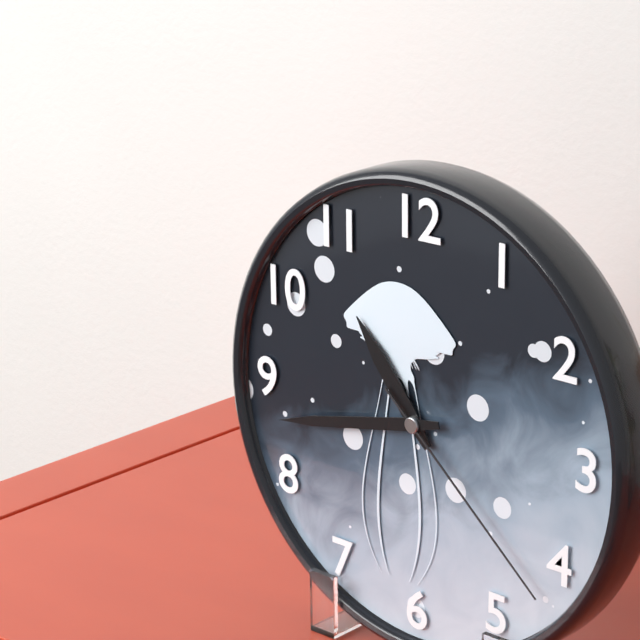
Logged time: 10:43:22
